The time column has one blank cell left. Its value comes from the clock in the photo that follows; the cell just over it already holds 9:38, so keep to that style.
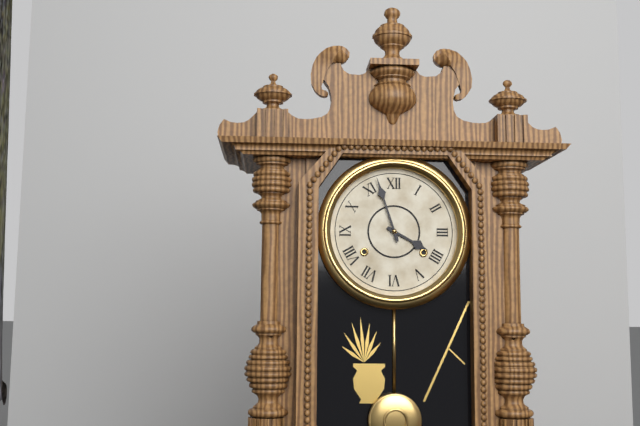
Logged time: 3:57
